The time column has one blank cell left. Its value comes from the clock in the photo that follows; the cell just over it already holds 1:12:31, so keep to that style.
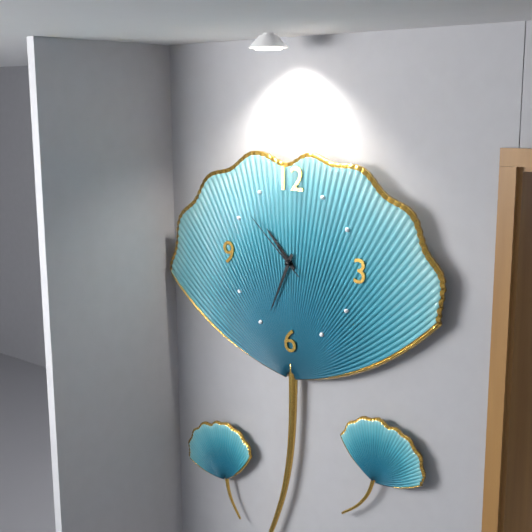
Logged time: 10:34:52
